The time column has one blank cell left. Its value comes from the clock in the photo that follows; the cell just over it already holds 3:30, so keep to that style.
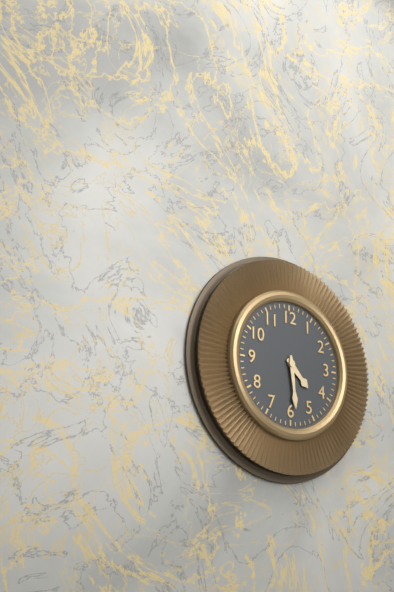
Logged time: 4:29
